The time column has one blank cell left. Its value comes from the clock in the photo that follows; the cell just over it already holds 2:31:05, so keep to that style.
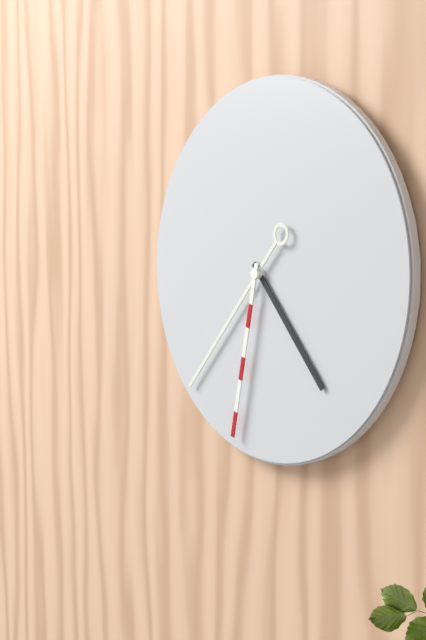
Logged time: 4:37:32
